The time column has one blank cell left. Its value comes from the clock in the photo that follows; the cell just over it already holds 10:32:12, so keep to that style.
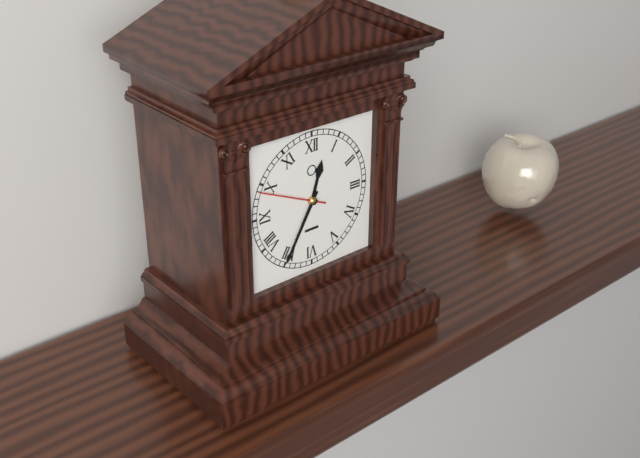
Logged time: 12:35:49
